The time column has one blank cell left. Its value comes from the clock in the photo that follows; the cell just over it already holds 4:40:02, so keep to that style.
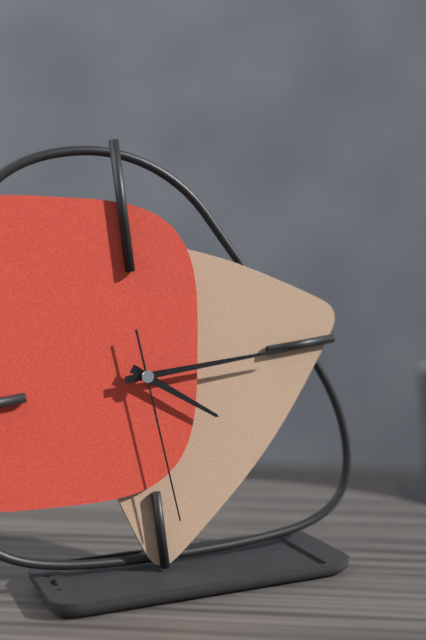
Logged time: 4:15:29
